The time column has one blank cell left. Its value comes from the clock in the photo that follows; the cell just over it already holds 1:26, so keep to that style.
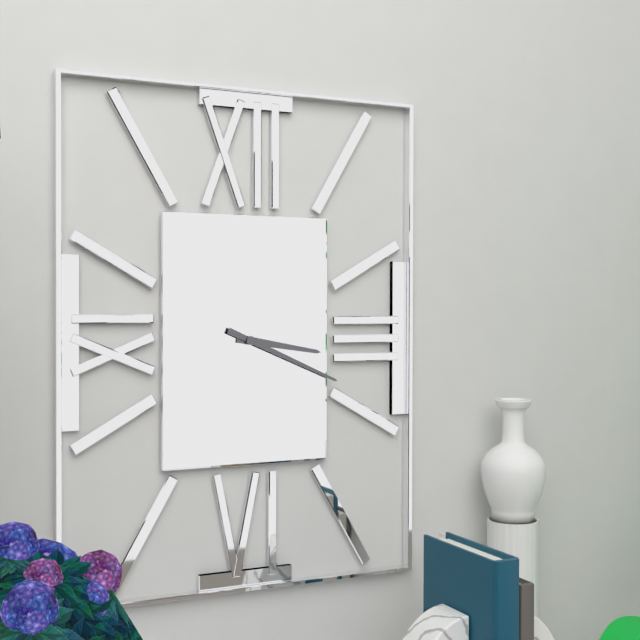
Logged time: 3:19
